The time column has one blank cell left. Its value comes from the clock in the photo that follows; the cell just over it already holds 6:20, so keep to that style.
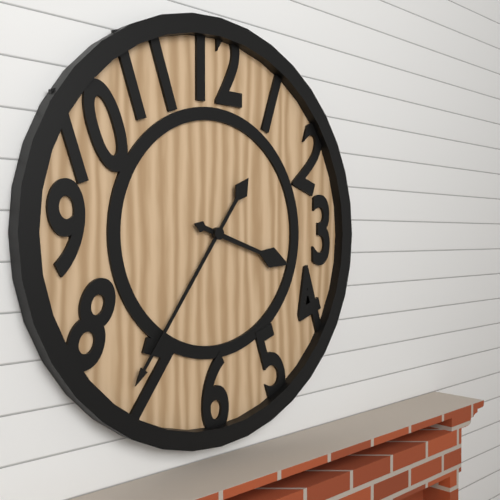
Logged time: 3:36
